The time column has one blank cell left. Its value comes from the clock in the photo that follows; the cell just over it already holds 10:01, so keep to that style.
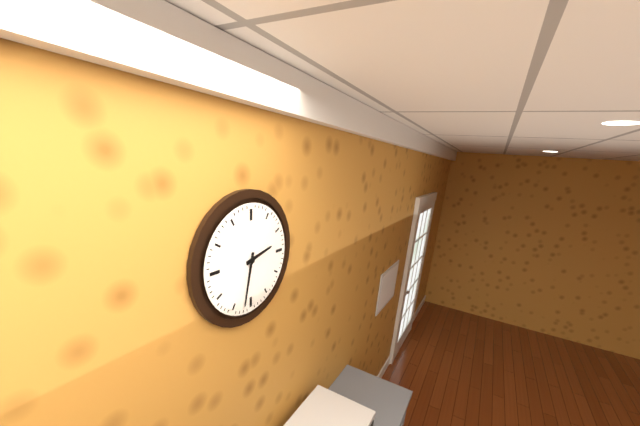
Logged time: 2:32
